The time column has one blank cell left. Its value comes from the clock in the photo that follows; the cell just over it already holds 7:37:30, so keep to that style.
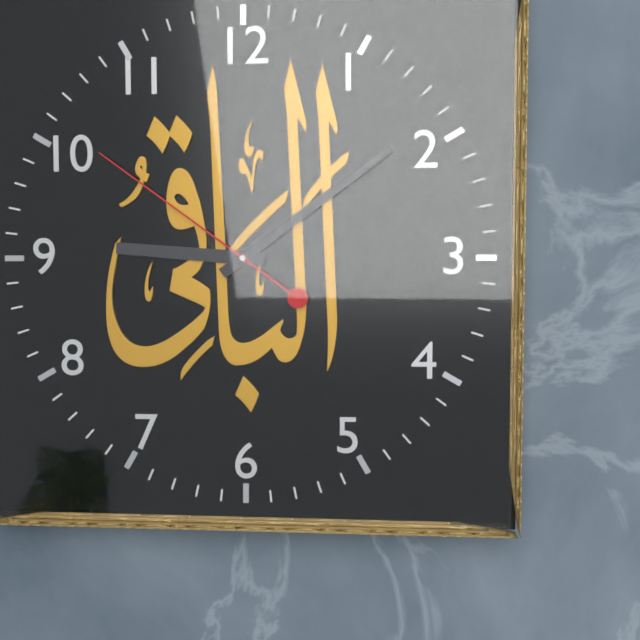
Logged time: 9:09:51
